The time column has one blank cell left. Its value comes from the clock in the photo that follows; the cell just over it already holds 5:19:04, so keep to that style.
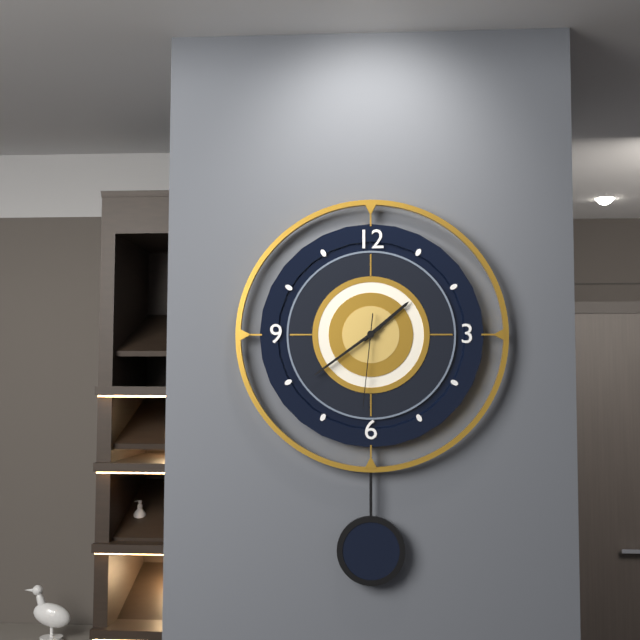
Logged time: 1:39:31
